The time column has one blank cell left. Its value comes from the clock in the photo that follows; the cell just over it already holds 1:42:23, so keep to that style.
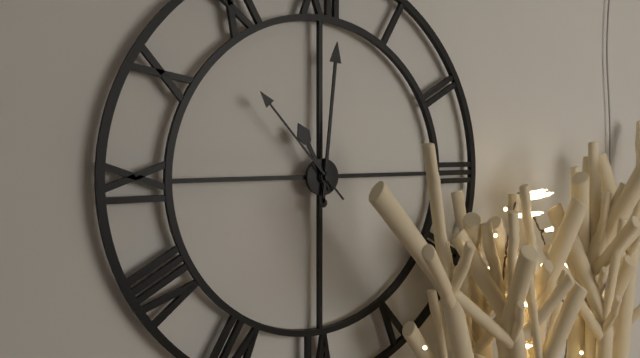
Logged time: 11:01:53
